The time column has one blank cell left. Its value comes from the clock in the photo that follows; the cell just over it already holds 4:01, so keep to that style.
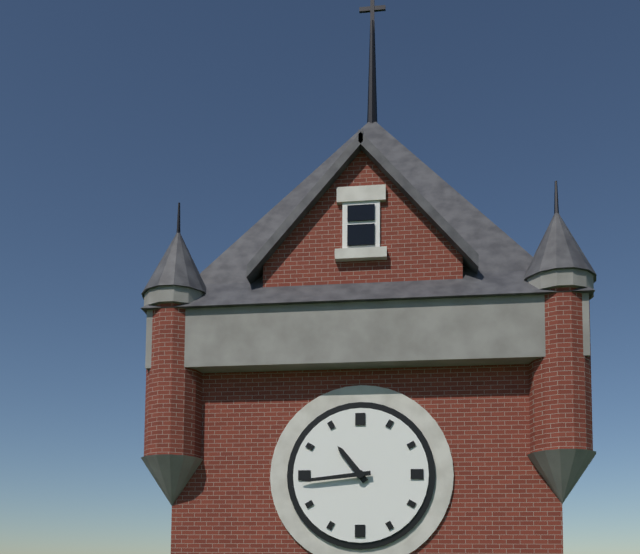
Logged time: 10:44
